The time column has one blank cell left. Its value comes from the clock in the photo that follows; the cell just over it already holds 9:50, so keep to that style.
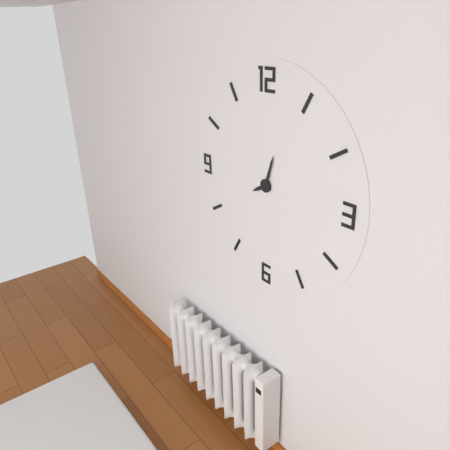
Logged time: 8:03
